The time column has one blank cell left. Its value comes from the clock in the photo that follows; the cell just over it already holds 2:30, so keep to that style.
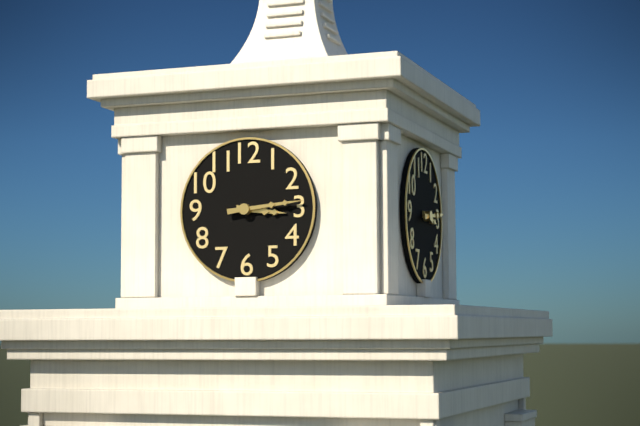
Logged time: 3:14
